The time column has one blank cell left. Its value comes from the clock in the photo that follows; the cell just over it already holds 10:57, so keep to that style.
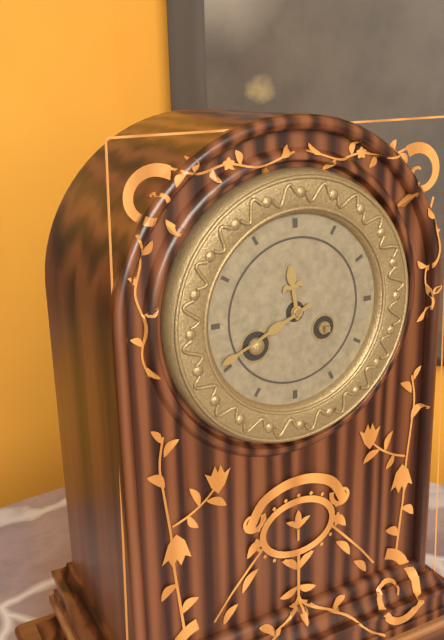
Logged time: 11:41
